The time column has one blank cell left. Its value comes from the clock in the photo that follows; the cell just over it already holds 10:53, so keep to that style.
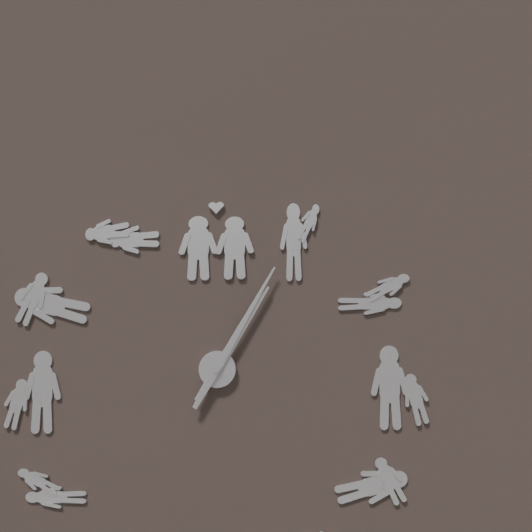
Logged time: 1:05
